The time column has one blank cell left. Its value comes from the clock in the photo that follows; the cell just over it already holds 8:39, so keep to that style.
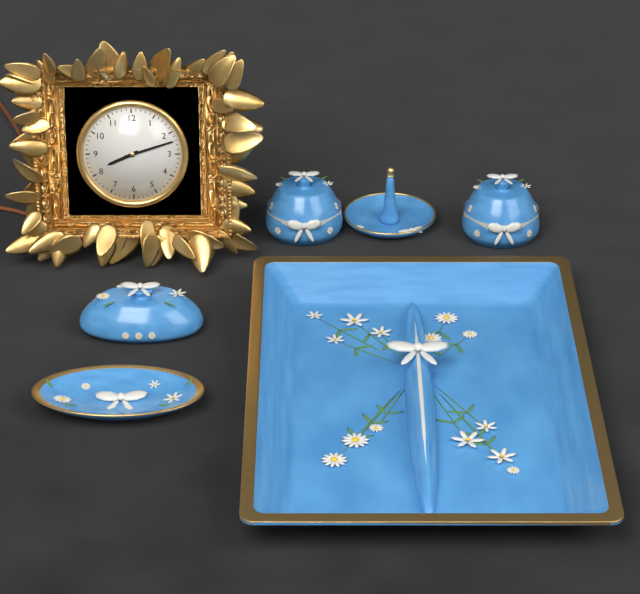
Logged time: 8:12
